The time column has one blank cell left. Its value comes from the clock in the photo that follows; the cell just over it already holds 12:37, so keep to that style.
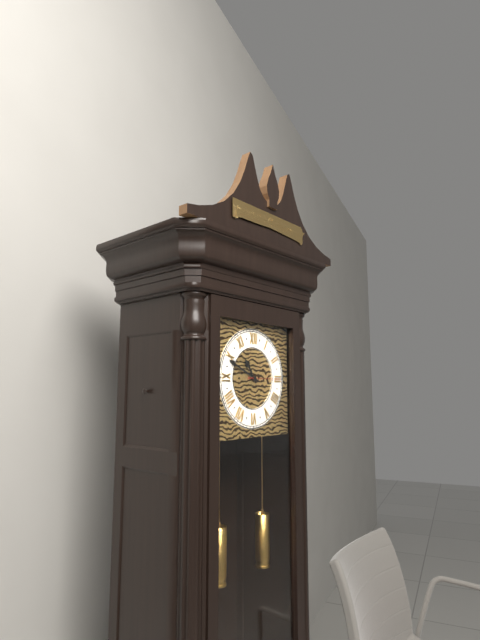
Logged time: 10:49
